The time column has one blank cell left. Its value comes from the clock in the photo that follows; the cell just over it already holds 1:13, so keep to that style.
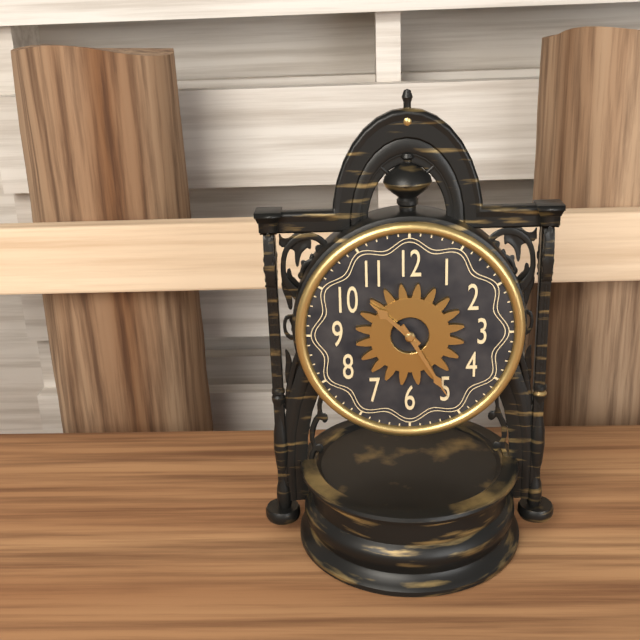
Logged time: 10:25
